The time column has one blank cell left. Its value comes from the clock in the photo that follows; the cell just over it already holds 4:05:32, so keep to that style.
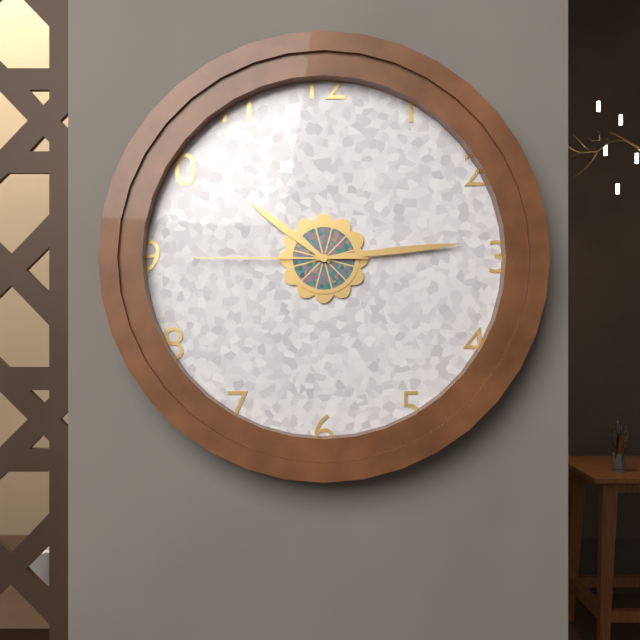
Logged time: 10:14:45
